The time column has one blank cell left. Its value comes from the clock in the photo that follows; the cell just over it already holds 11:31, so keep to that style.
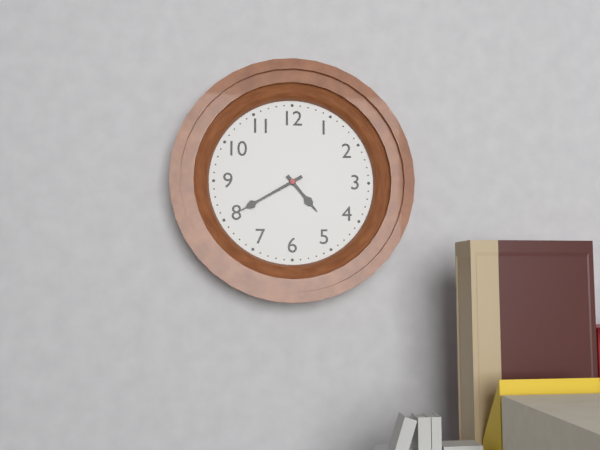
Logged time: 4:40
